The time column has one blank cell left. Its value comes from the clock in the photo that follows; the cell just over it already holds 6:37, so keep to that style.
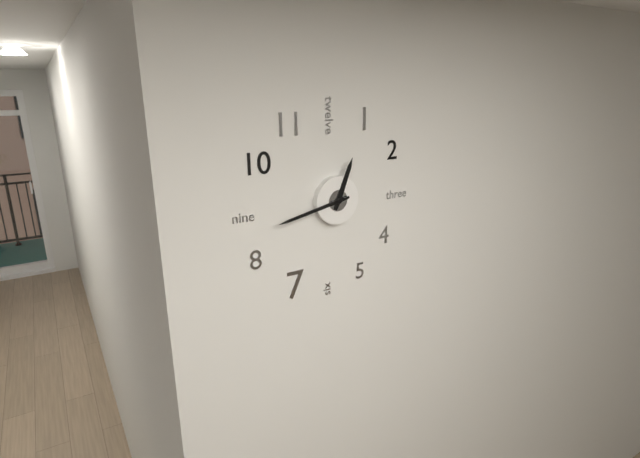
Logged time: 12:43
